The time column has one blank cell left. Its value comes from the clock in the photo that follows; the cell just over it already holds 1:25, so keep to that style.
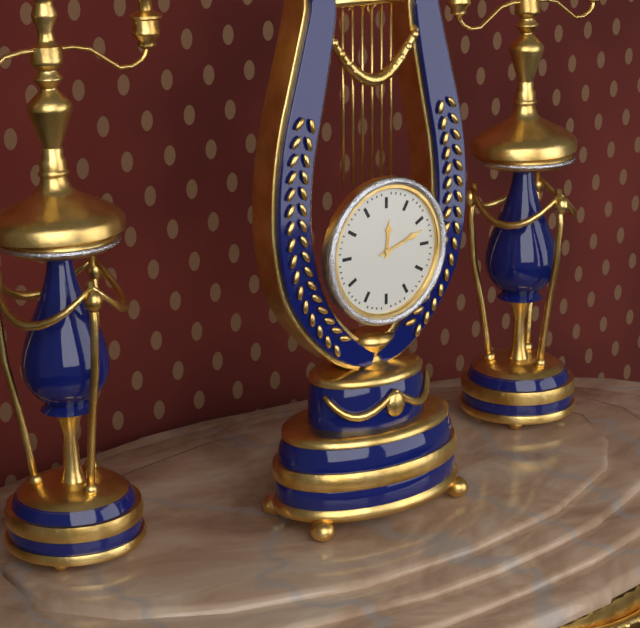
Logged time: 12:12
